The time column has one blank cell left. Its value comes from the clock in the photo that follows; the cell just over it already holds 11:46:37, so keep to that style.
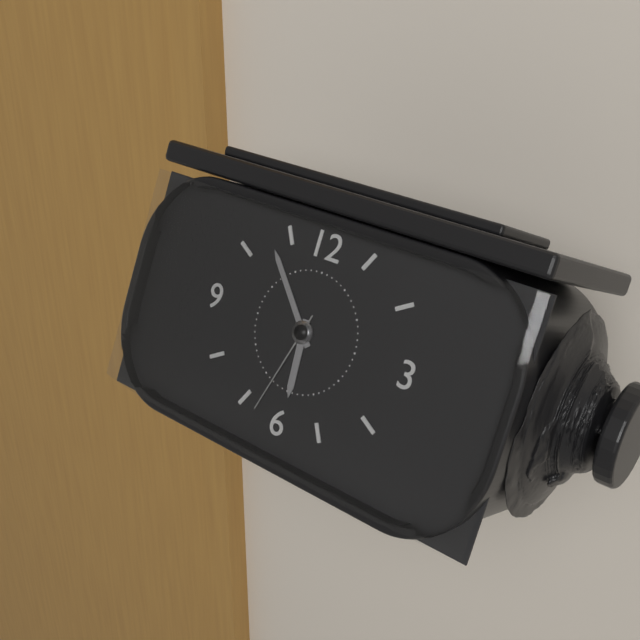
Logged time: 5:53:33
